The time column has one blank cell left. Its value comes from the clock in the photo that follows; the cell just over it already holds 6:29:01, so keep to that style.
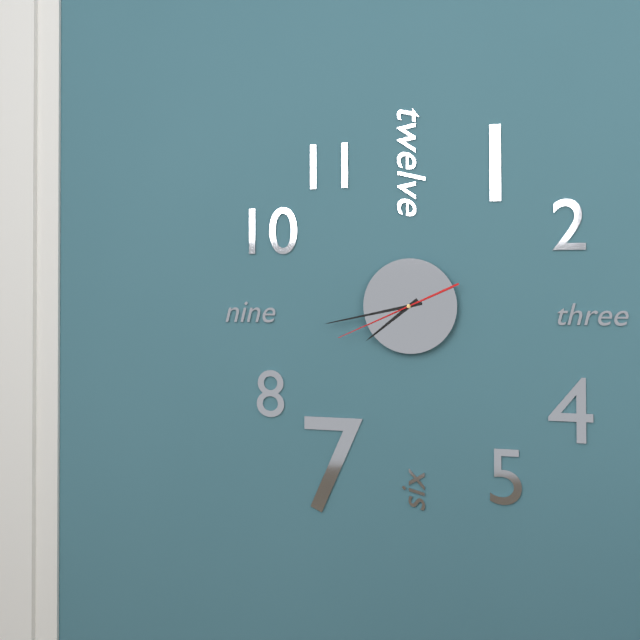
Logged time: 7:43:41
